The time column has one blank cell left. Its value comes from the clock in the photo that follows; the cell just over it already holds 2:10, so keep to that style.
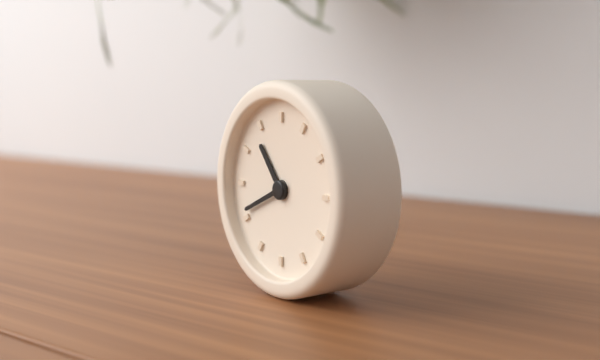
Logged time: 10:41
